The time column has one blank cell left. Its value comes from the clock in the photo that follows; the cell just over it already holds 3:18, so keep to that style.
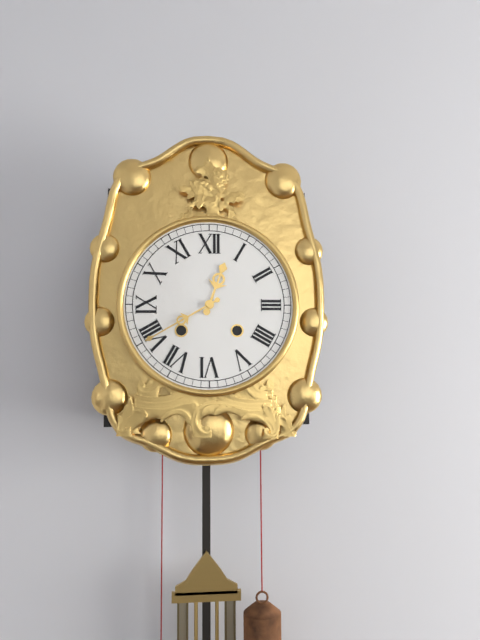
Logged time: 12:40
